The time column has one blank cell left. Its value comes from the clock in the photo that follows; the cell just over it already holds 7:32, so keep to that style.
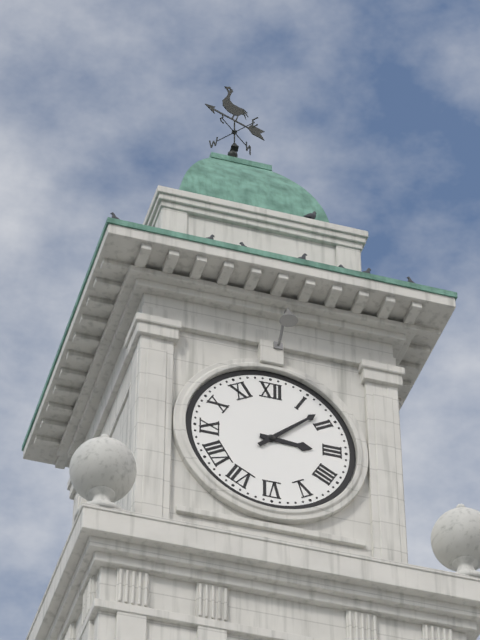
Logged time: 3:08
